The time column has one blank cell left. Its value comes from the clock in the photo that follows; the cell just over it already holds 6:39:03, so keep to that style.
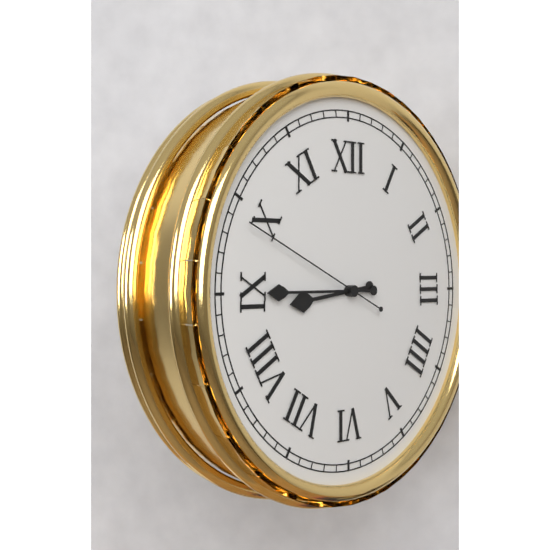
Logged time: 8:45:49
